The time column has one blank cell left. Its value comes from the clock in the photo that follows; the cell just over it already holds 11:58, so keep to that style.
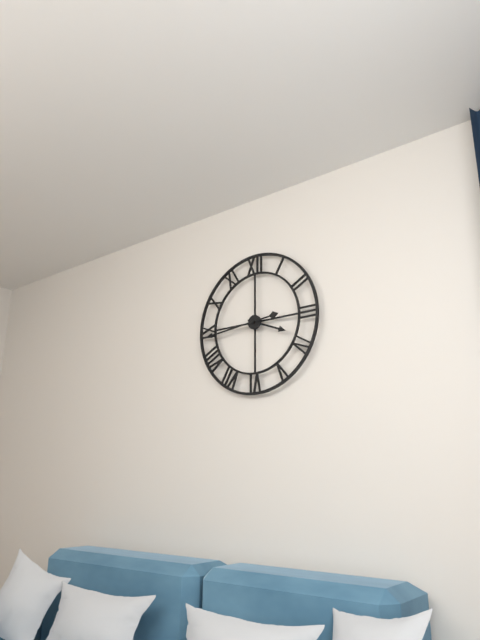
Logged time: 3:44
